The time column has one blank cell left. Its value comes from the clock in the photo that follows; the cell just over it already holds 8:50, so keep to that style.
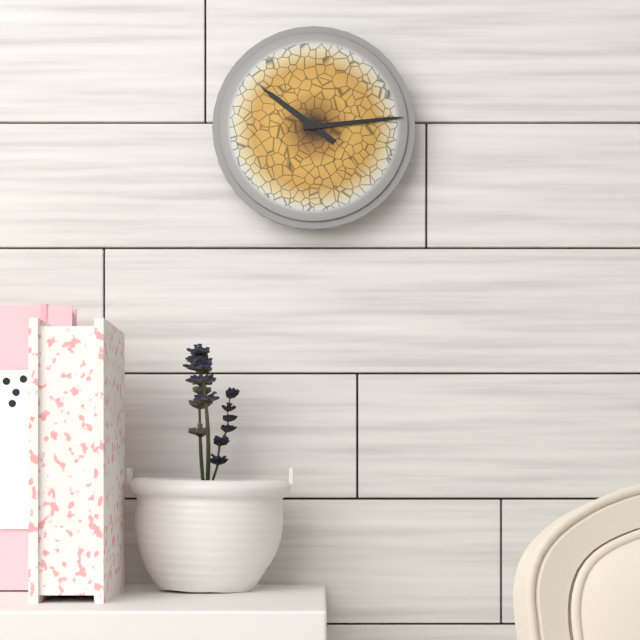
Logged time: 10:14
